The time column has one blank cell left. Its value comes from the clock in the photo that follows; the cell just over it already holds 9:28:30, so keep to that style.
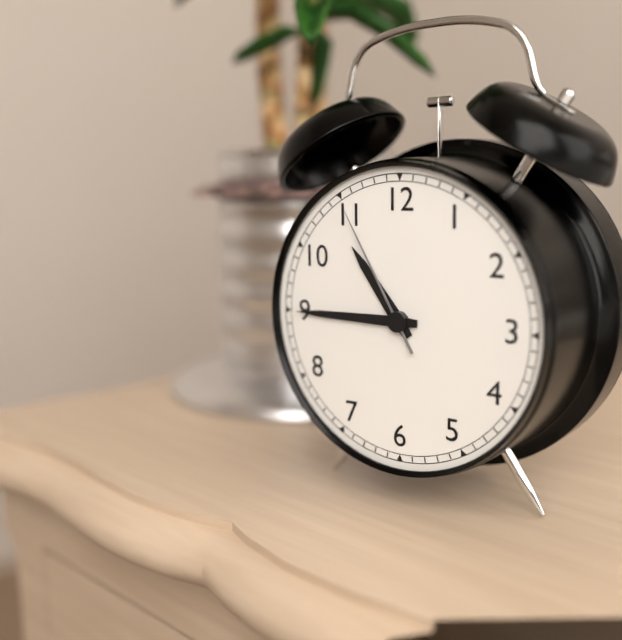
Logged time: 10:45:55
